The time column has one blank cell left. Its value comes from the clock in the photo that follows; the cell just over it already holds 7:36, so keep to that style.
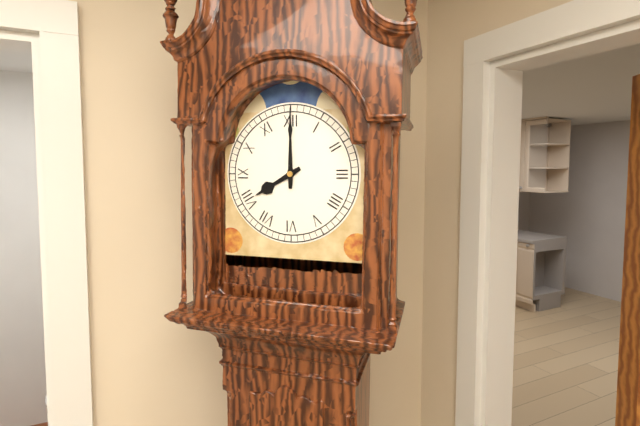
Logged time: 8:00
